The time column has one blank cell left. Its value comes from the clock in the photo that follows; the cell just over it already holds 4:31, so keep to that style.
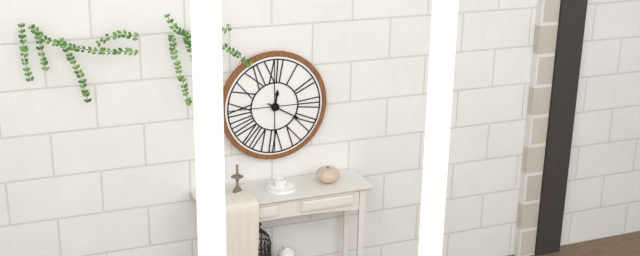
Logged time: 12:20
